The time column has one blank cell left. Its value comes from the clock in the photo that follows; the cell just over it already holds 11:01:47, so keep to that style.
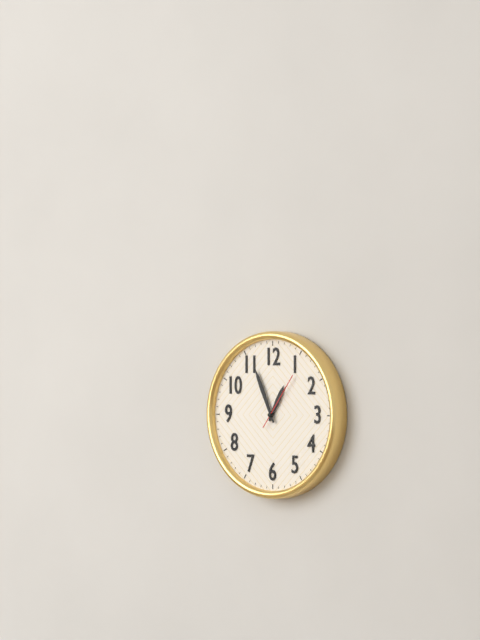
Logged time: 12:56:06
